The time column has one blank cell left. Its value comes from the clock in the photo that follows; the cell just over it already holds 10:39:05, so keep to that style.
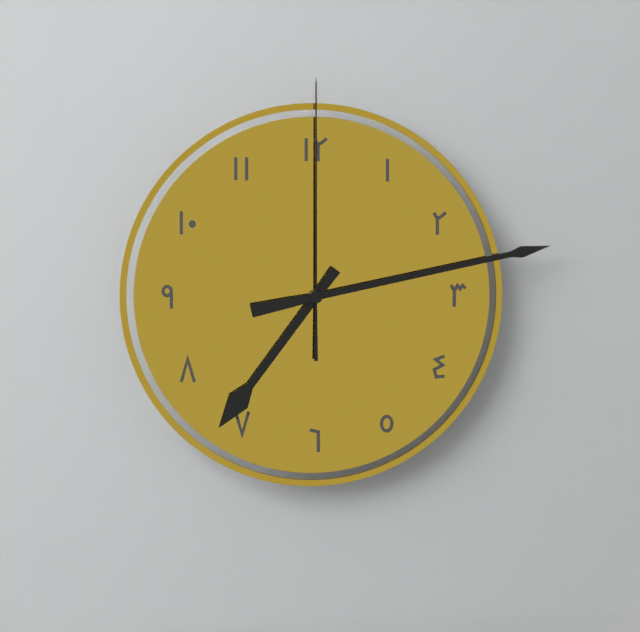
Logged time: 7:13:00
